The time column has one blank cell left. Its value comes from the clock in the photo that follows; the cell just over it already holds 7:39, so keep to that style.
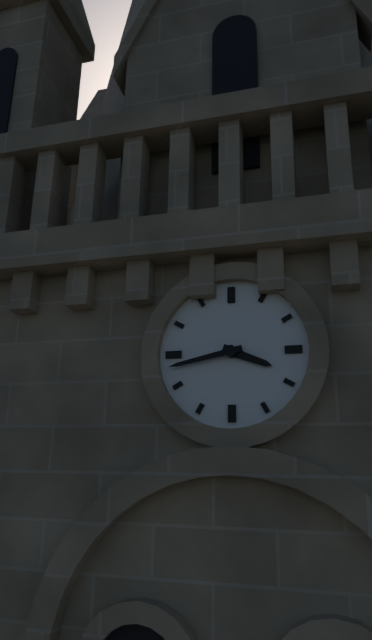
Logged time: 3:43
